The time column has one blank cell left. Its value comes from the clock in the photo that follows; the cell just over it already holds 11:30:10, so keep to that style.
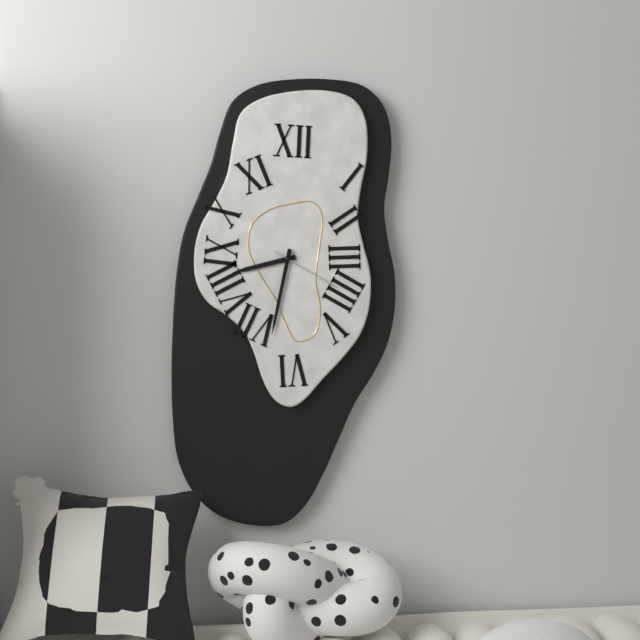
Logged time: 8:32:20
